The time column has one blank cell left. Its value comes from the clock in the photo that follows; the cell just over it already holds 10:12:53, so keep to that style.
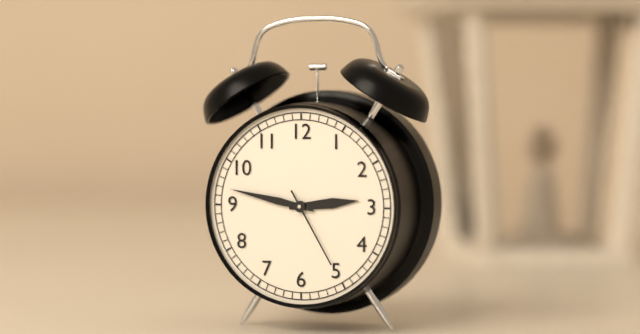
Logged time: 2:47:25
